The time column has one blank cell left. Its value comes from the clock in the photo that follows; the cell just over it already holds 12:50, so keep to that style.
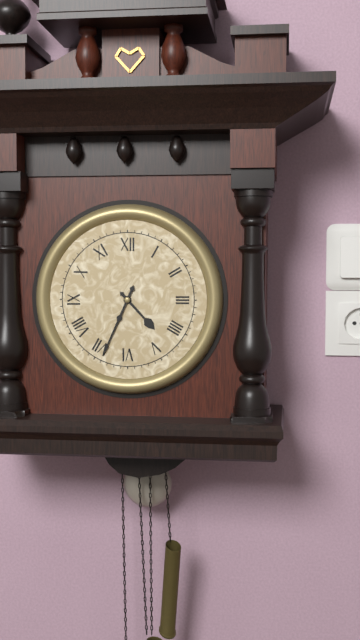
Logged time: 4:34
